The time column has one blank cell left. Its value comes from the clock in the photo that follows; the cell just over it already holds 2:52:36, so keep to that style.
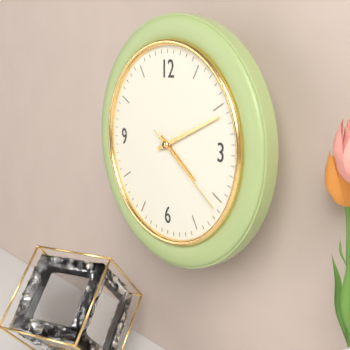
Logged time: 4:11:21
